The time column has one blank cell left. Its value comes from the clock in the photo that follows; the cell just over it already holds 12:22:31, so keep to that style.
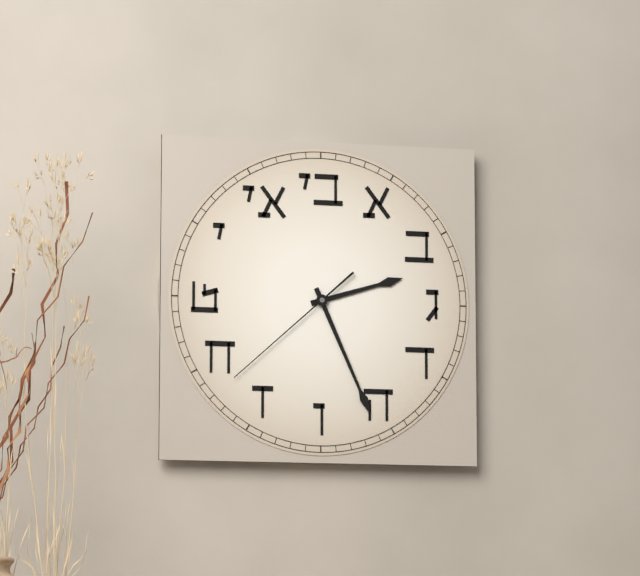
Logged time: 2:26:38
